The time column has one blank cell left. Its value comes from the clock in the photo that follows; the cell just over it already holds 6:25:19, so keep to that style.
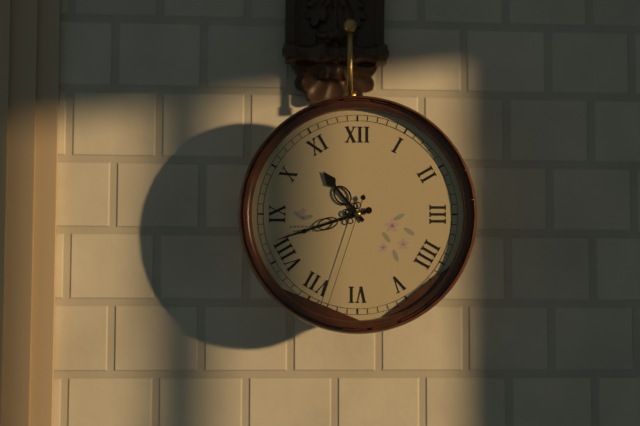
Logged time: 10:42:33
